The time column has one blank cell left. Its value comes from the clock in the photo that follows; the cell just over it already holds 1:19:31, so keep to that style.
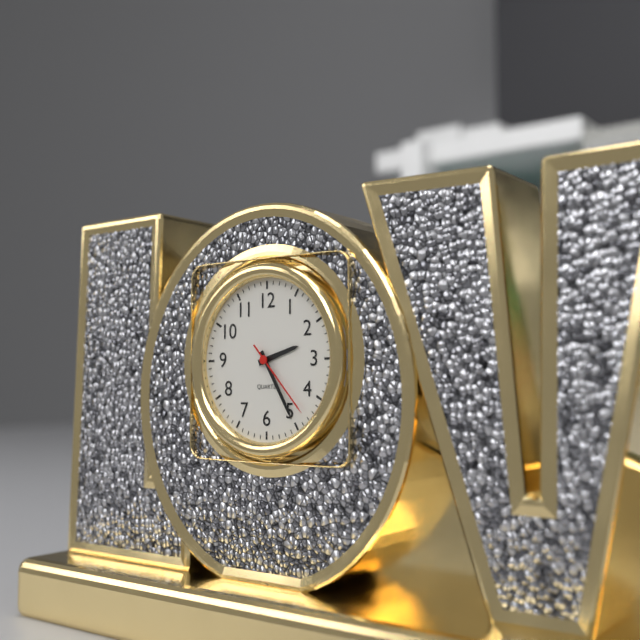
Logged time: 2:25:23
